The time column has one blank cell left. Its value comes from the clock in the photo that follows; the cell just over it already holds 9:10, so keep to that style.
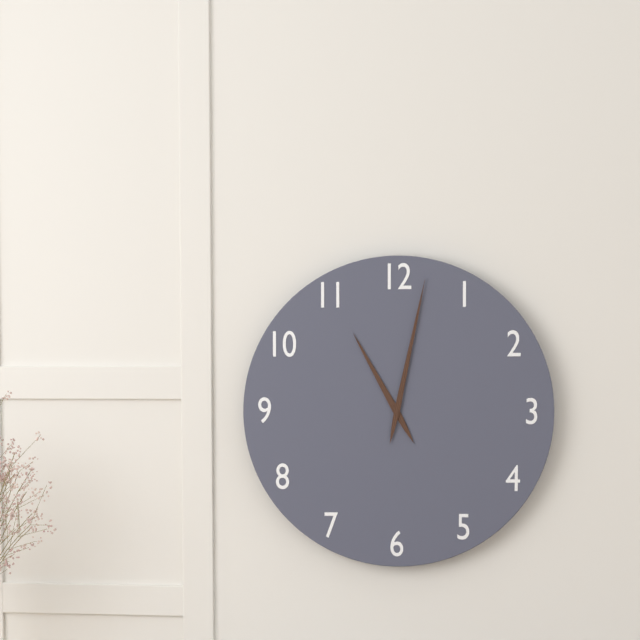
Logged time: 11:02
